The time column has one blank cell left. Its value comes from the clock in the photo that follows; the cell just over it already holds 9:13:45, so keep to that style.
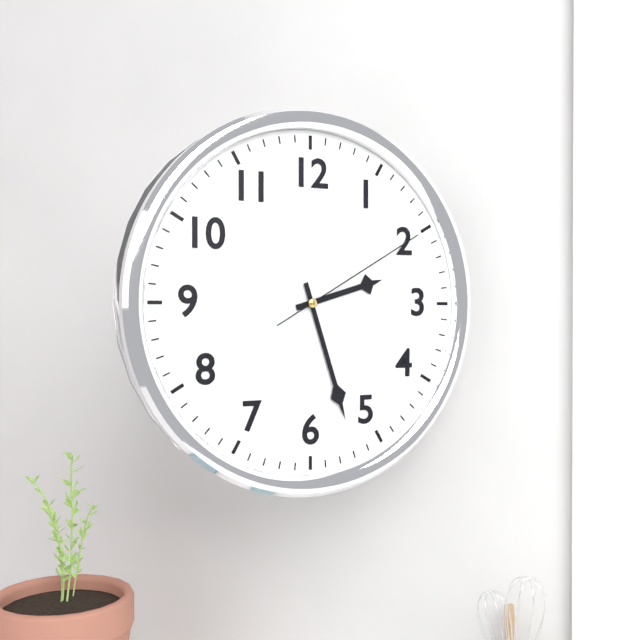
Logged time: 2:27:10
